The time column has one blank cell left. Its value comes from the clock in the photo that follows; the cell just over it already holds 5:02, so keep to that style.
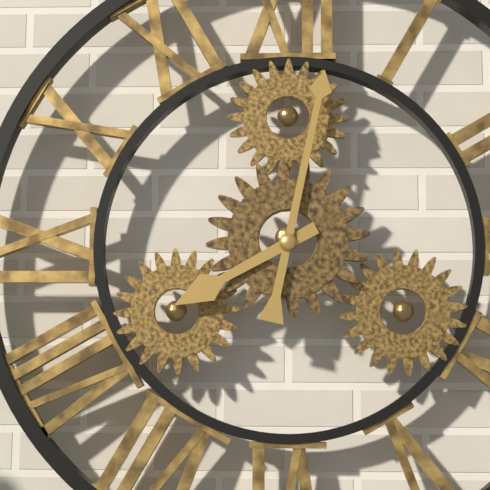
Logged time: 8:02
